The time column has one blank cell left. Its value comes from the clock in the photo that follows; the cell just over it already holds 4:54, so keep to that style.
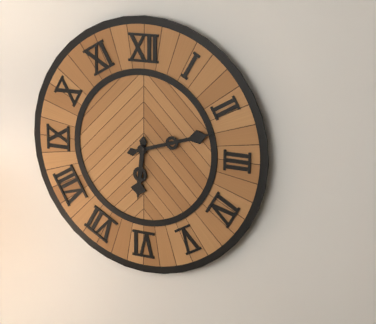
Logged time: 6:12
